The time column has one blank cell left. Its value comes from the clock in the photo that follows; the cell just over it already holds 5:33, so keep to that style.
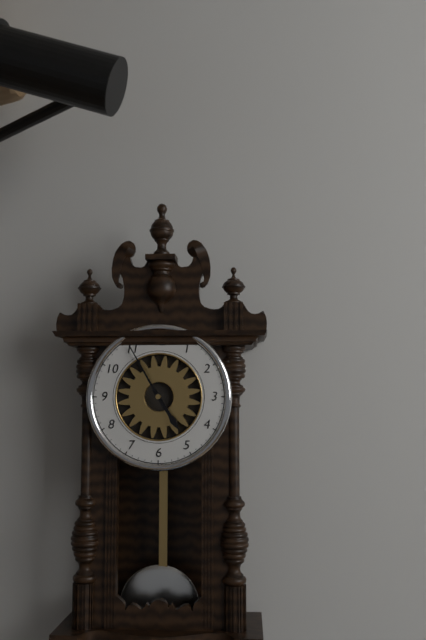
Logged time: 4:55
